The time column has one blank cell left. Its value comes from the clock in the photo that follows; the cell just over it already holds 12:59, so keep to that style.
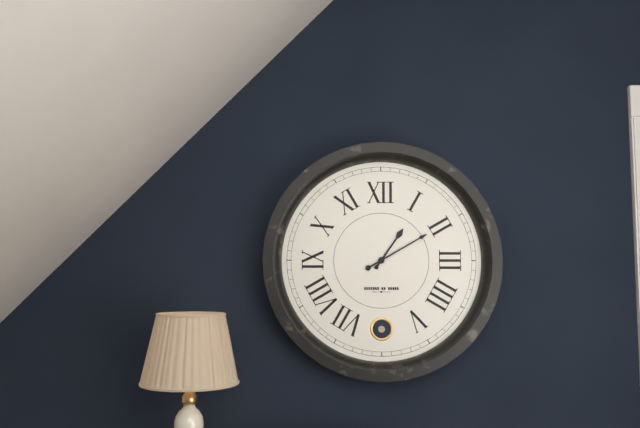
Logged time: 1:10
